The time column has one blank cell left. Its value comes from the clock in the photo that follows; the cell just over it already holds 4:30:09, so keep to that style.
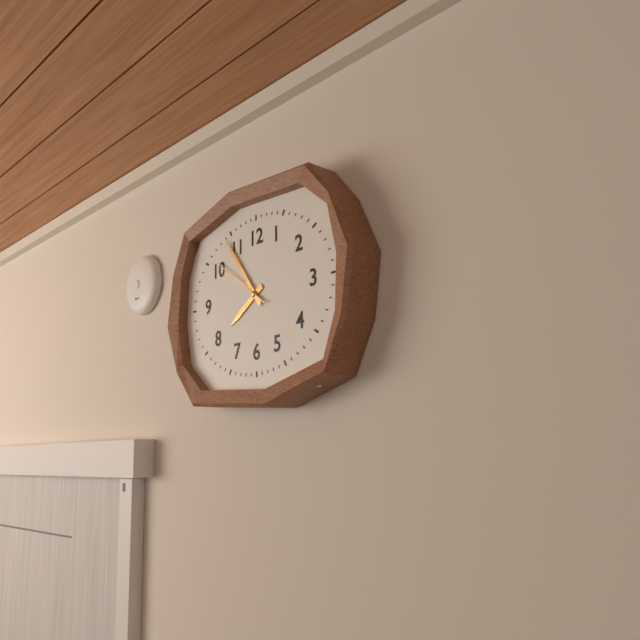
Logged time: 7:54:51
